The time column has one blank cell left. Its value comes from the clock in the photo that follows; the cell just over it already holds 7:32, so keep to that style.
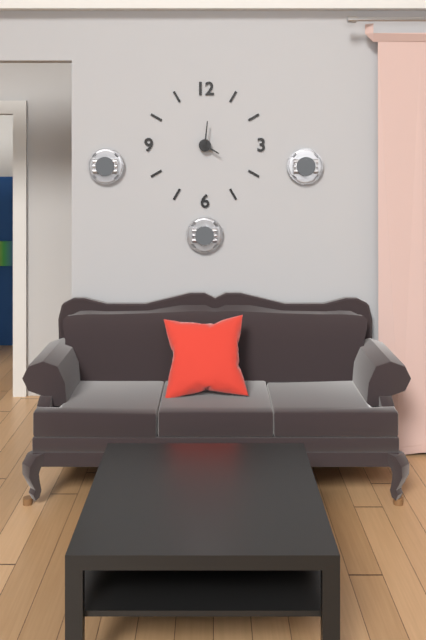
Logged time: 4:01
